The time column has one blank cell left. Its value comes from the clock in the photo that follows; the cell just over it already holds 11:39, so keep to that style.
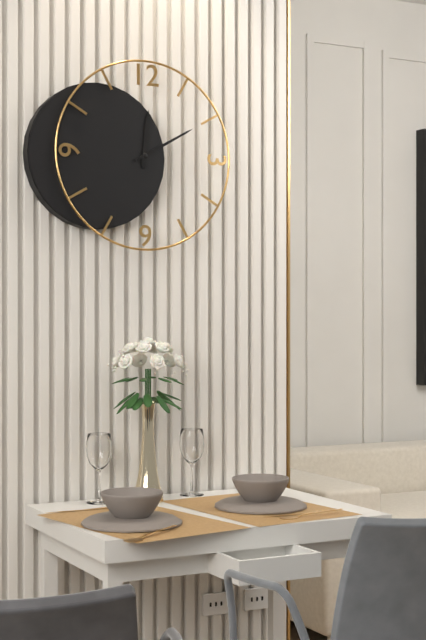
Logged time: 12:10
